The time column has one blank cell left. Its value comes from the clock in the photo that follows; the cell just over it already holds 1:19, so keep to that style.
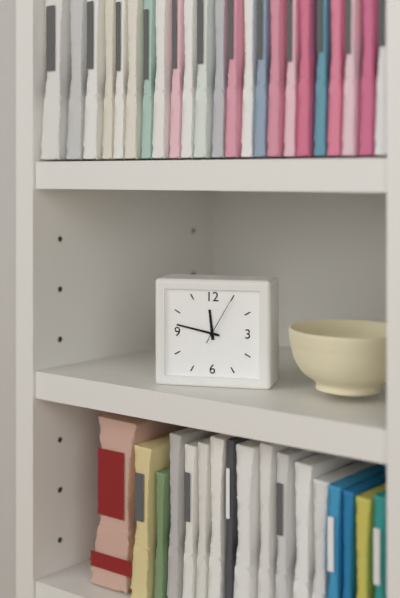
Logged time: 11:47
